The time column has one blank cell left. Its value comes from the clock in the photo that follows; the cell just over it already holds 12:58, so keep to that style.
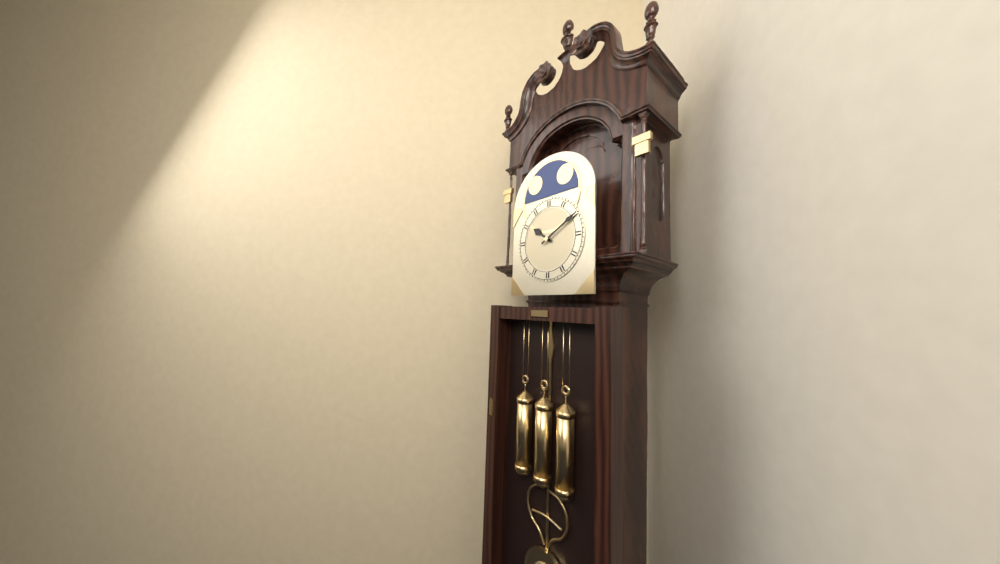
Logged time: 10:10
